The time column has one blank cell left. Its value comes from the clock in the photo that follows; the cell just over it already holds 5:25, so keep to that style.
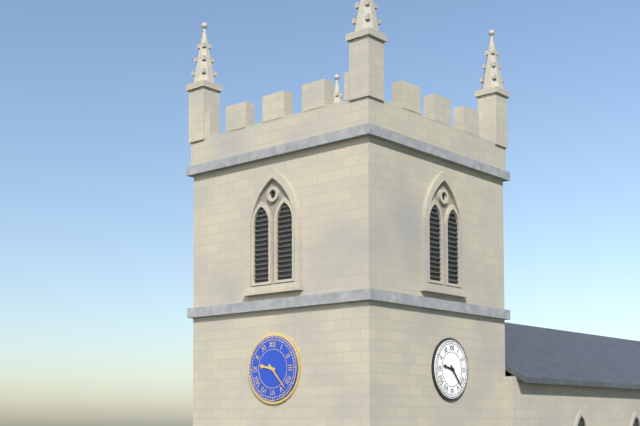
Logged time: 9:23
